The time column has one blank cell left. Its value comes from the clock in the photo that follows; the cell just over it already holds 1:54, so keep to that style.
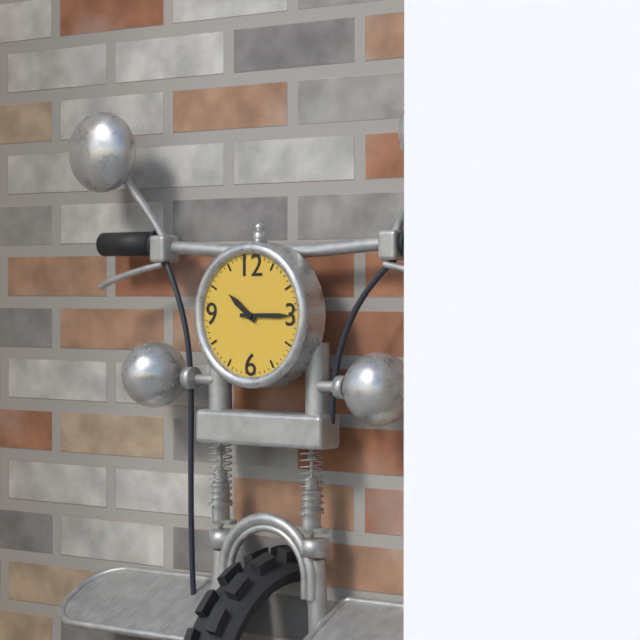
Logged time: 10:15
